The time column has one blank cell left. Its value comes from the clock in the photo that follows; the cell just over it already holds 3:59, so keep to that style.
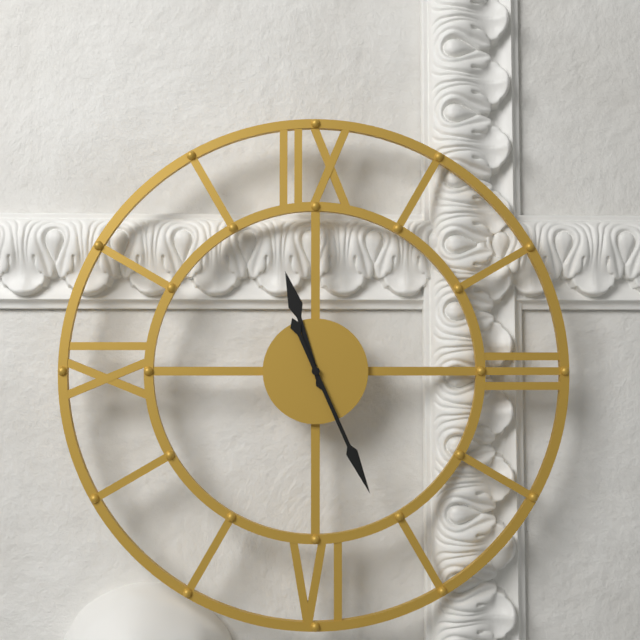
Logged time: 11:26
